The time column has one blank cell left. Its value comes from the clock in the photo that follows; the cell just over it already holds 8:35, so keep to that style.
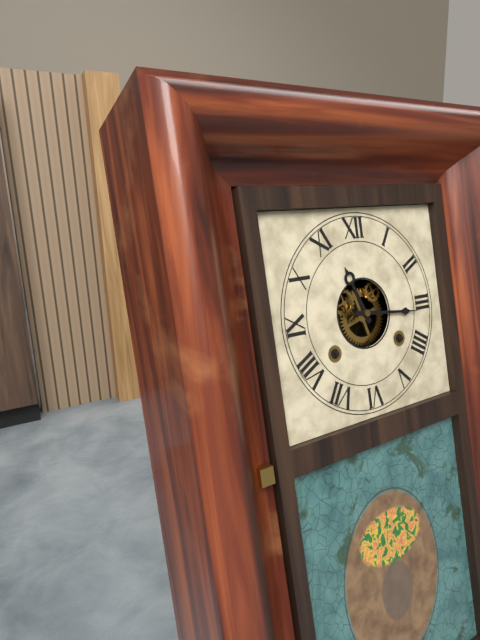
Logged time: 11:16
